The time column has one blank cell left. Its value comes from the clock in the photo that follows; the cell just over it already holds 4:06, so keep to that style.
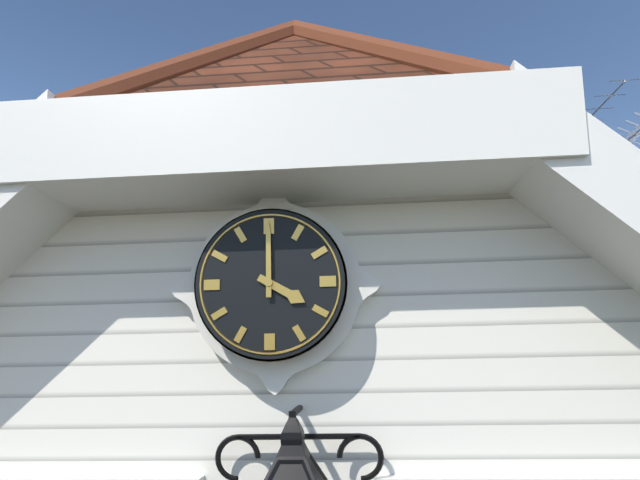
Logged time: 4:00
